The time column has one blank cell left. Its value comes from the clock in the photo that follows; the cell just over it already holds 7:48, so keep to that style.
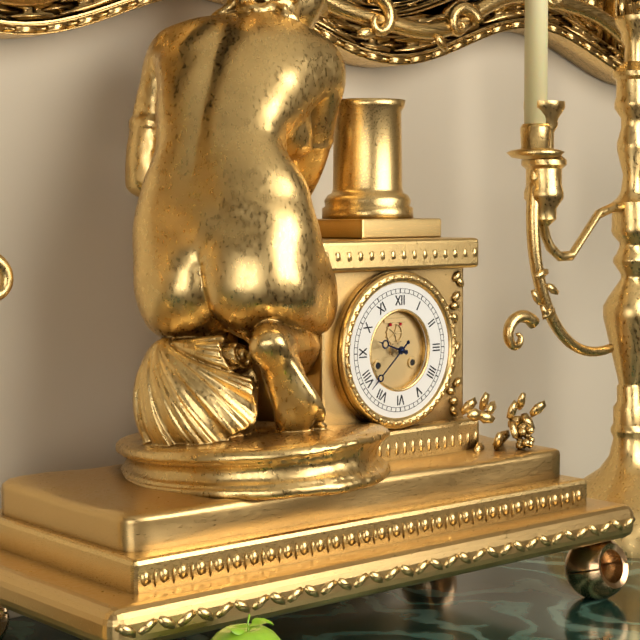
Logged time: 9:38
